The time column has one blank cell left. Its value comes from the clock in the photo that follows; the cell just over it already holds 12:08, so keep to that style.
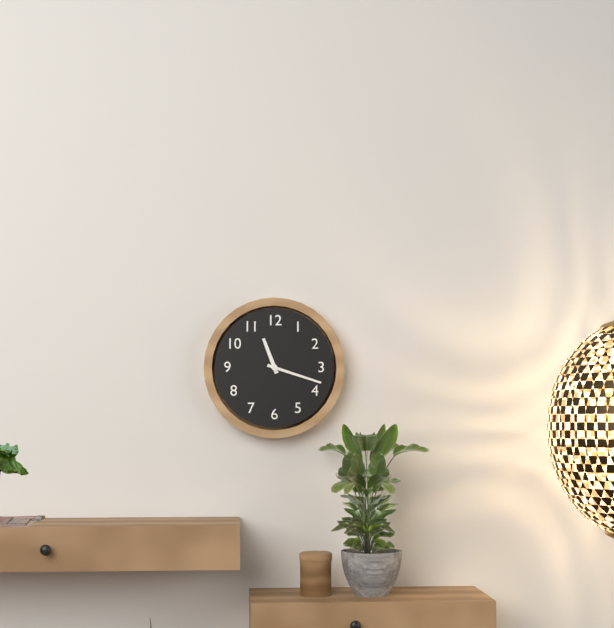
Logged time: 11:18
